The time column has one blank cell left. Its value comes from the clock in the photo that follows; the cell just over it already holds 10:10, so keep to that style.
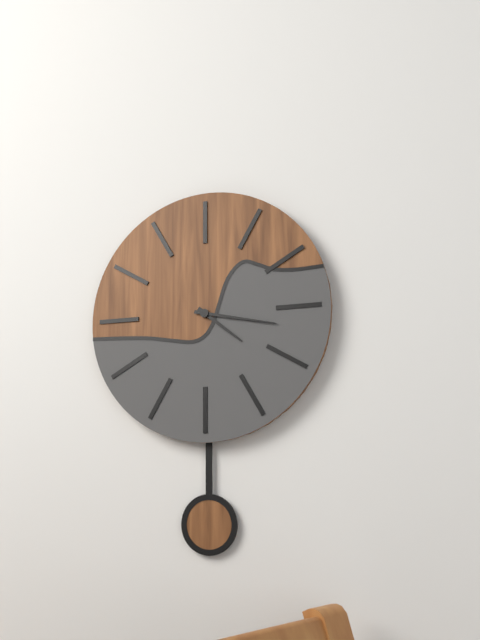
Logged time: 4:17
